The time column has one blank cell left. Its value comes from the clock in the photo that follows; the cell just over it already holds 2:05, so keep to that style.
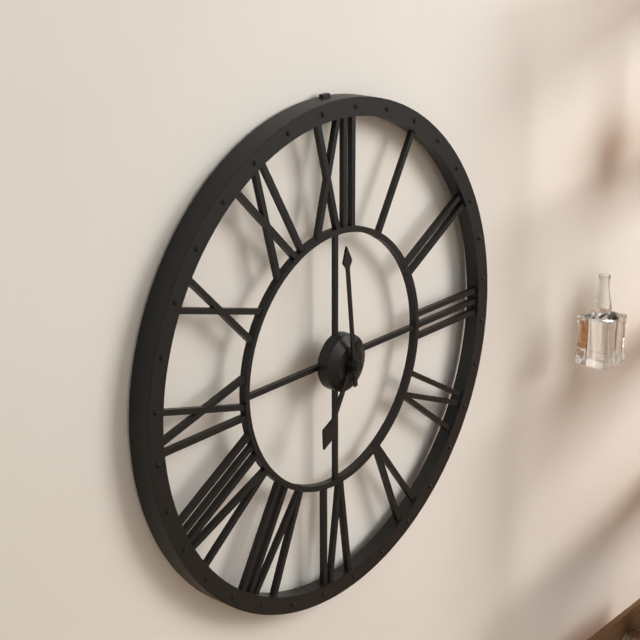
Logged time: 6:59
